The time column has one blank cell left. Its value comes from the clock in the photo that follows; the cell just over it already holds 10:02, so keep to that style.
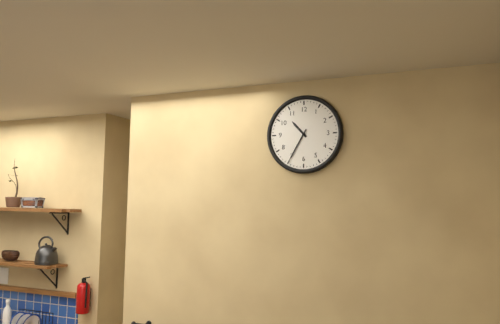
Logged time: 10:35
